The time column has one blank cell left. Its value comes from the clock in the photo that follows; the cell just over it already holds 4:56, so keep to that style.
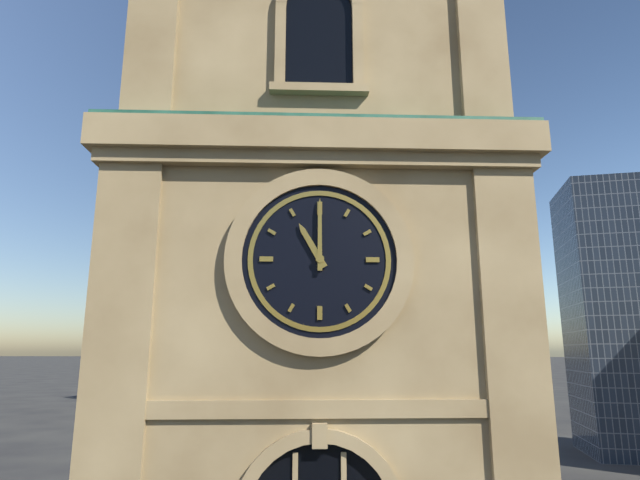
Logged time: 11:00
